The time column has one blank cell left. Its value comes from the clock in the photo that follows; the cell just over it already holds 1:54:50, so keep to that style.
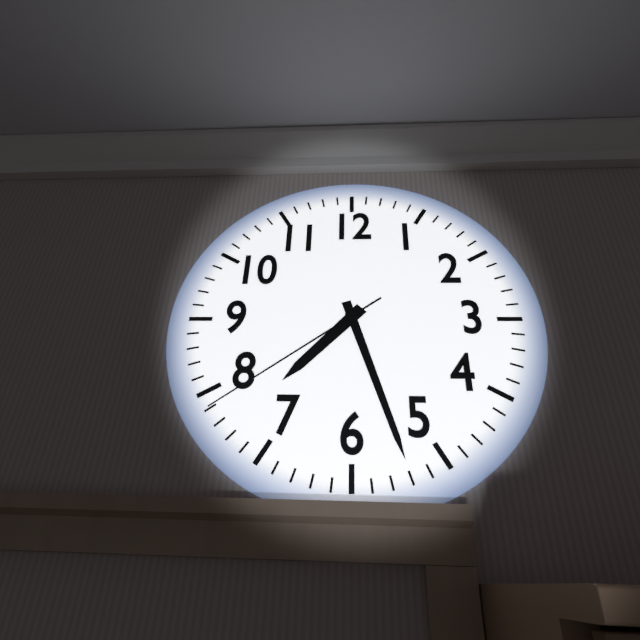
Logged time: 7:27:39
